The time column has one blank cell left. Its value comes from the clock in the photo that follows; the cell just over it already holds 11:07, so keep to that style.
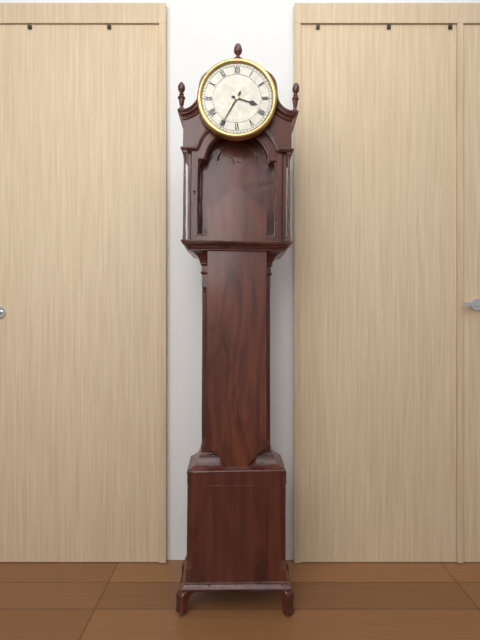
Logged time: 3:35
